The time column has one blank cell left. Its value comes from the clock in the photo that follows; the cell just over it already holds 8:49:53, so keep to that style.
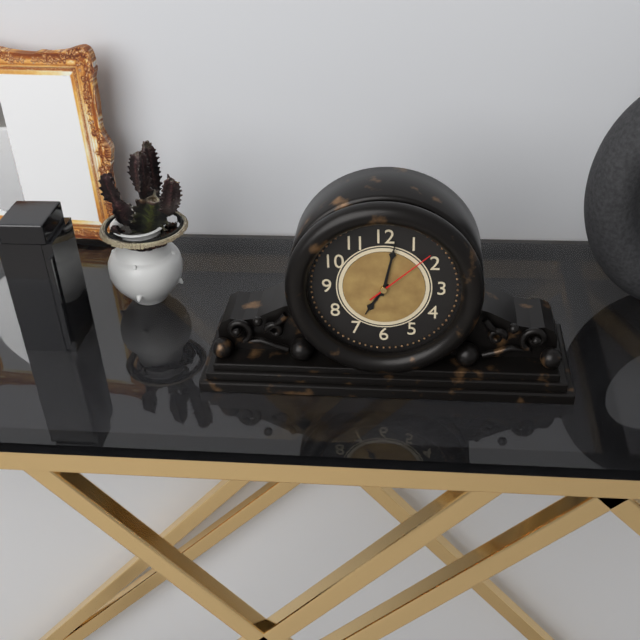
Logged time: 7:02:08
